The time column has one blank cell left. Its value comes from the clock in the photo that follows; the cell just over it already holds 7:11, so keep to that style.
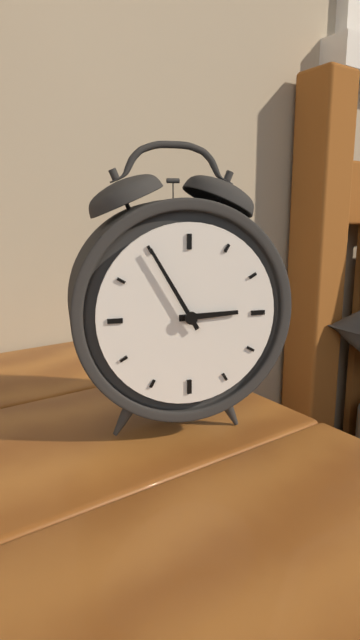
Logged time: 2:55
